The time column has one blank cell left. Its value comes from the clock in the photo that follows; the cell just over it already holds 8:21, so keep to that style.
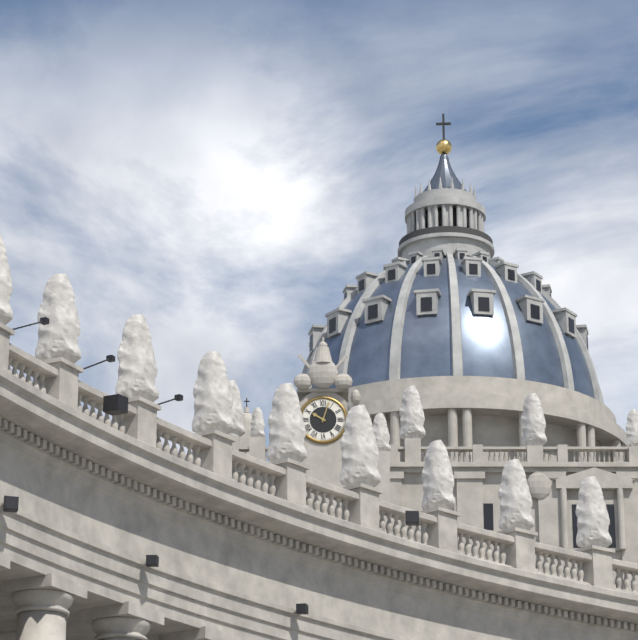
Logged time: 10:03
